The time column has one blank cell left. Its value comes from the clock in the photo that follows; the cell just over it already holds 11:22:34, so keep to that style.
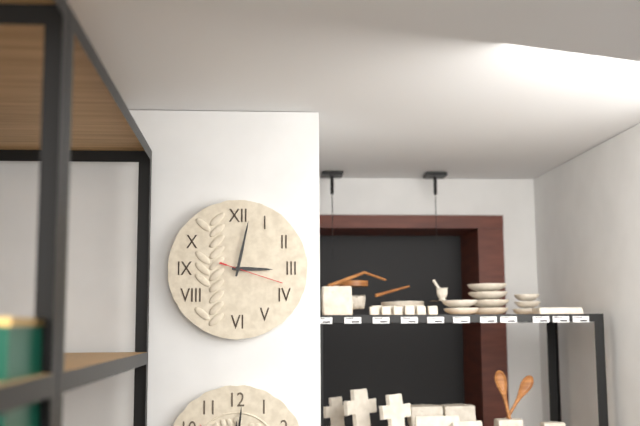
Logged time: 3:02:18
